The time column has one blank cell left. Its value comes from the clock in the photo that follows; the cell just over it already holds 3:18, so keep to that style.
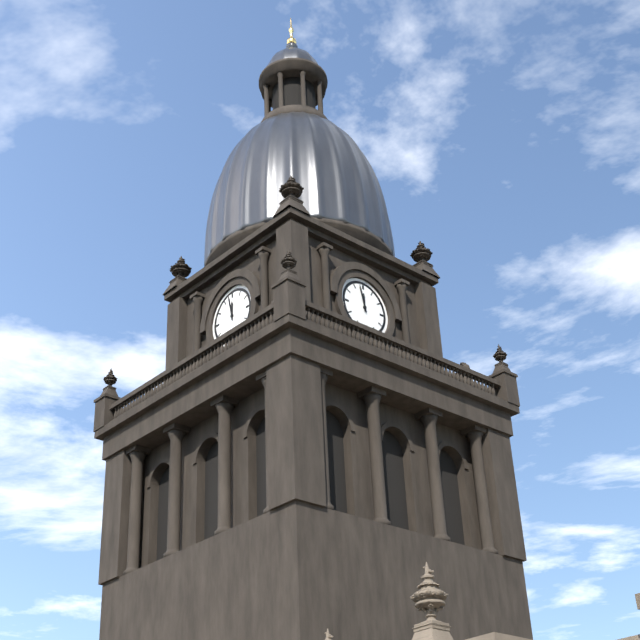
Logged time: 11:58
